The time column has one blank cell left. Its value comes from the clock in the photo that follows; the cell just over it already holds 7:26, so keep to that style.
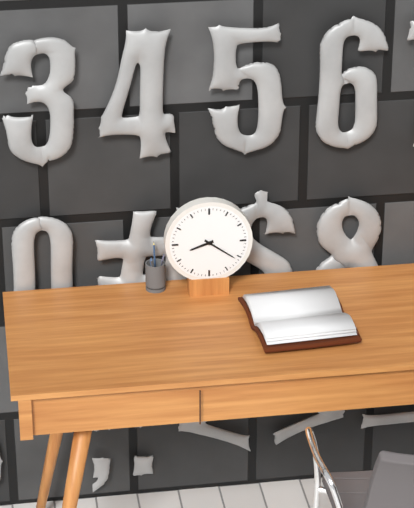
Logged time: 8:21
